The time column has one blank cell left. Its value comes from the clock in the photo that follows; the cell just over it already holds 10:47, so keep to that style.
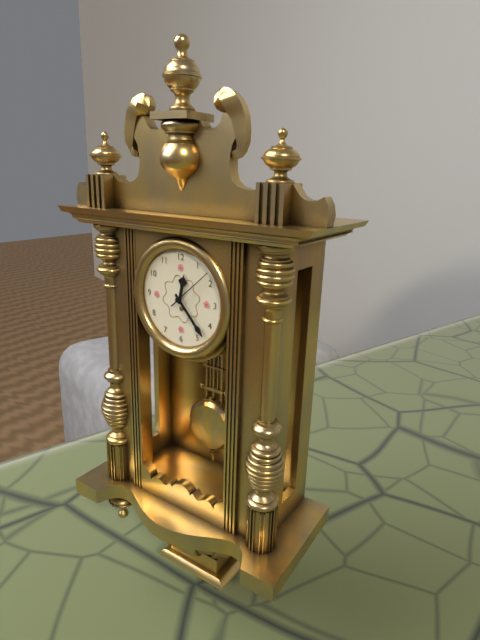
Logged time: 12:23
